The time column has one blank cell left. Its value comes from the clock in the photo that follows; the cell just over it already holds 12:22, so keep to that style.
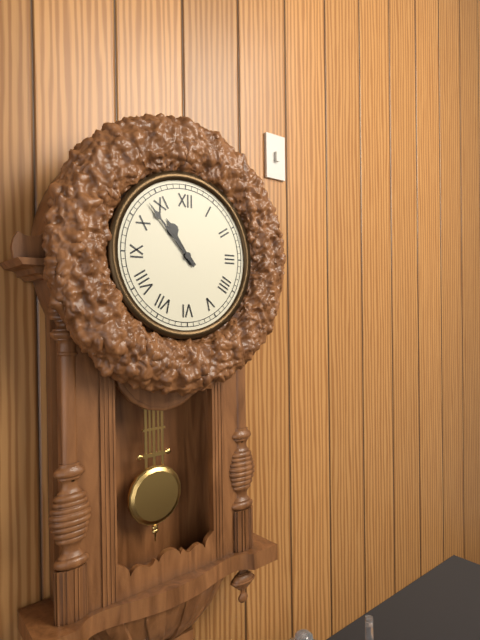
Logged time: 10:53
